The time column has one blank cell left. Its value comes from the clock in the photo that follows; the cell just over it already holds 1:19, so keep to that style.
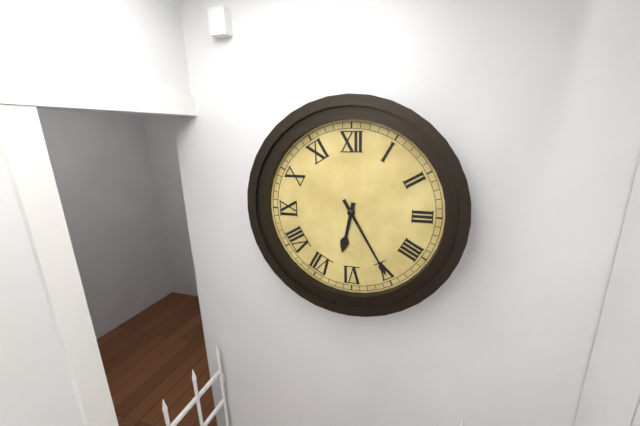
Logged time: 6:25
